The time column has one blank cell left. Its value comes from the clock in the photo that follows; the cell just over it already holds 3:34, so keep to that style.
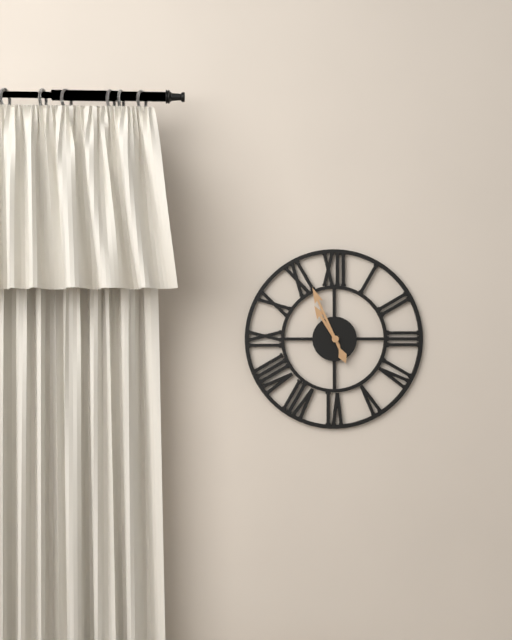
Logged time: 10:56
